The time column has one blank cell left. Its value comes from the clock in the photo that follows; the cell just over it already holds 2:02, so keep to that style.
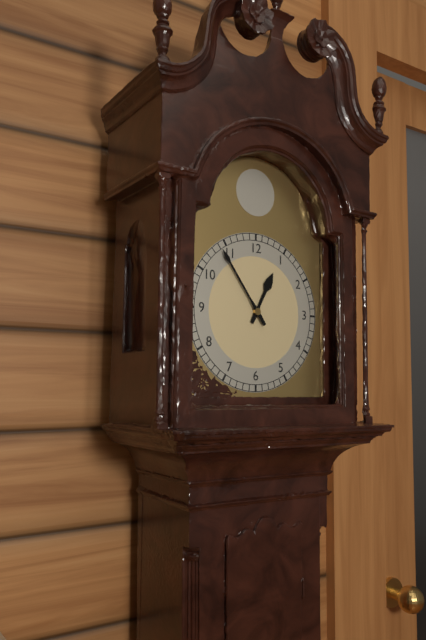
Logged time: 12:54
